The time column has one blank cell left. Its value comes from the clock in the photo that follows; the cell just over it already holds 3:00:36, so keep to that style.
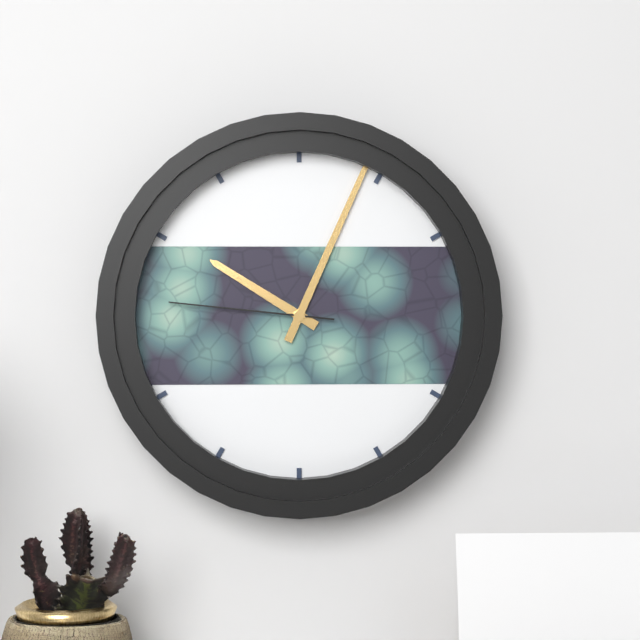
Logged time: 10:04:46
